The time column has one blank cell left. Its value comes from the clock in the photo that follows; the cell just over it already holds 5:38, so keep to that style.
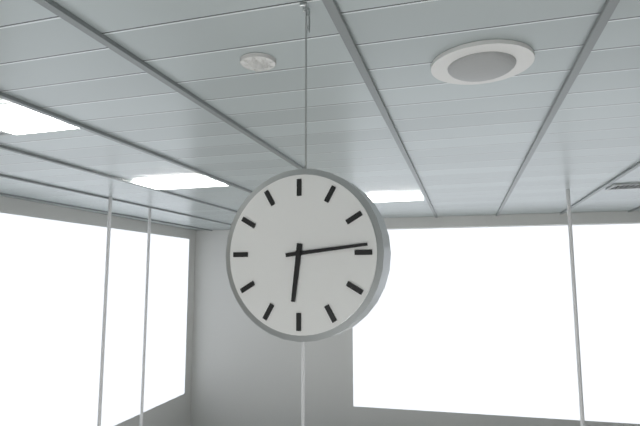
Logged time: 6:14
